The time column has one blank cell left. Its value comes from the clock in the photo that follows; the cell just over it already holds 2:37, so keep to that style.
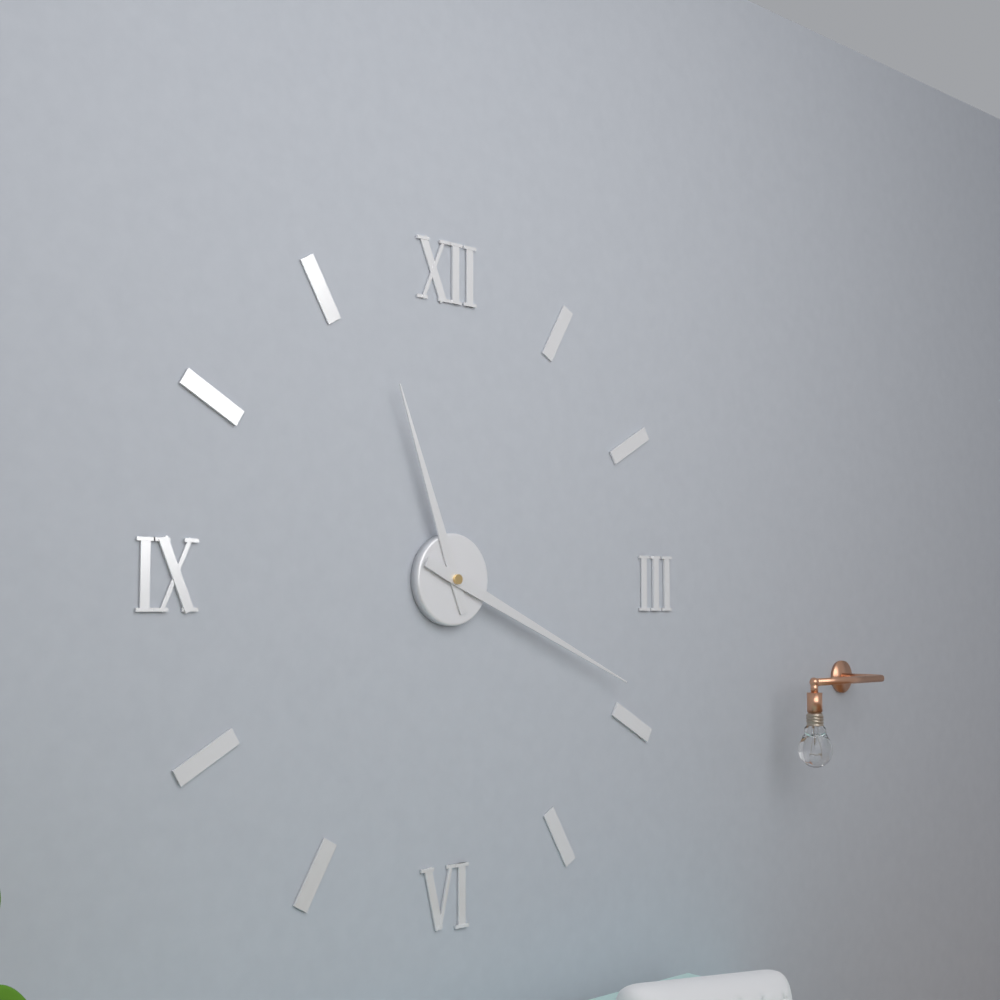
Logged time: 11:19
